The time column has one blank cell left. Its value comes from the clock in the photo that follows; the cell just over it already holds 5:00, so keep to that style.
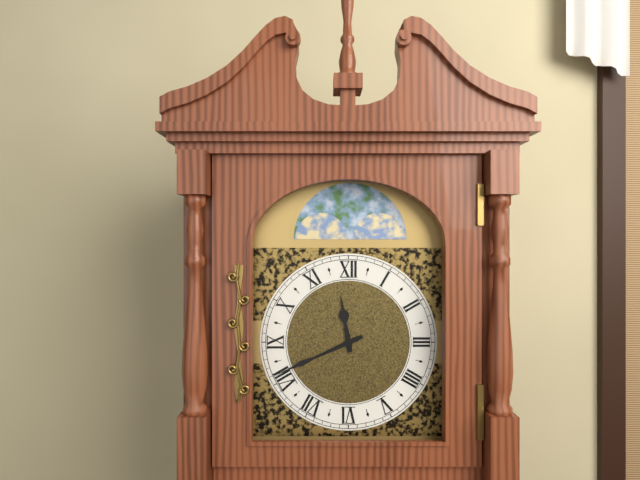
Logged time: 11:41
